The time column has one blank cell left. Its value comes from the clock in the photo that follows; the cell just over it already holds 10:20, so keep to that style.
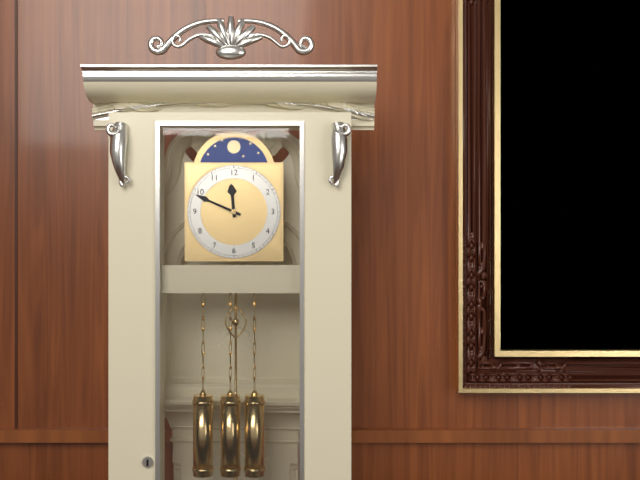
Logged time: 11:49
